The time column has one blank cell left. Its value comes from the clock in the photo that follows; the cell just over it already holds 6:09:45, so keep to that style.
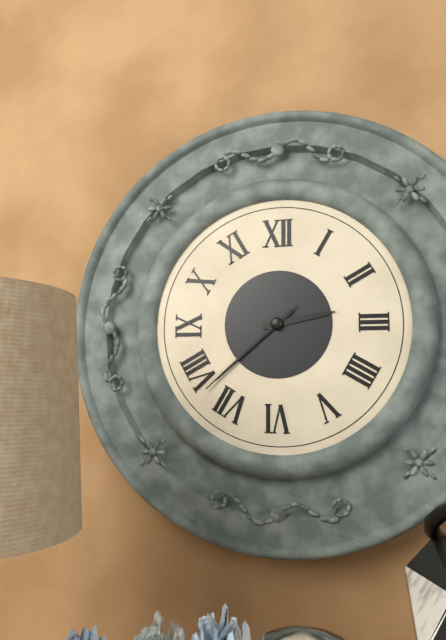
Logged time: 2:38:38
